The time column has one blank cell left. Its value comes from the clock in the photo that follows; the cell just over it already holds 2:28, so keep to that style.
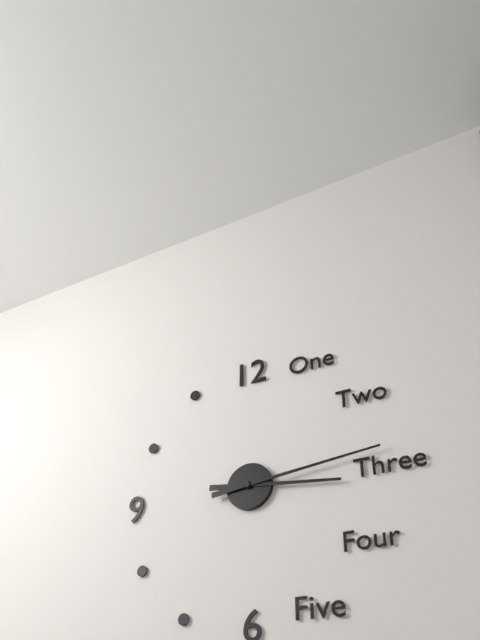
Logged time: 3:14
